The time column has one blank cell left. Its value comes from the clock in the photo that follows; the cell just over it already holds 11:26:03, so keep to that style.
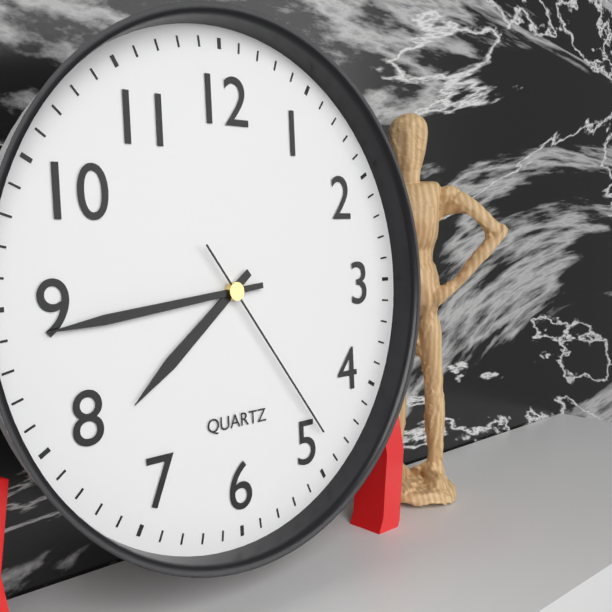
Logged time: 7:44:24
